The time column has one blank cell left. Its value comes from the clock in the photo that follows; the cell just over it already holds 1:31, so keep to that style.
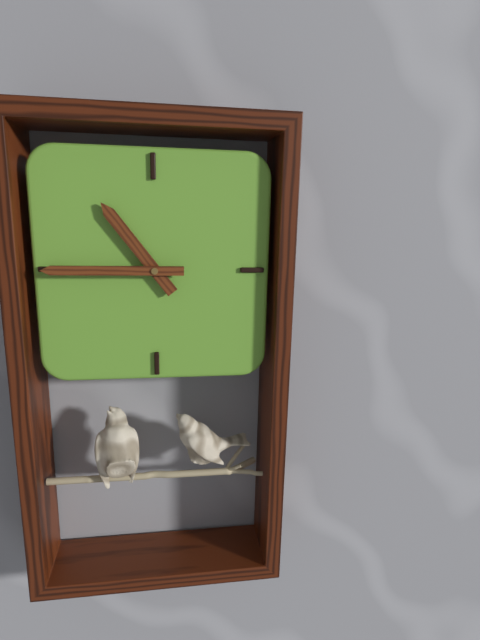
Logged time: 10:45
